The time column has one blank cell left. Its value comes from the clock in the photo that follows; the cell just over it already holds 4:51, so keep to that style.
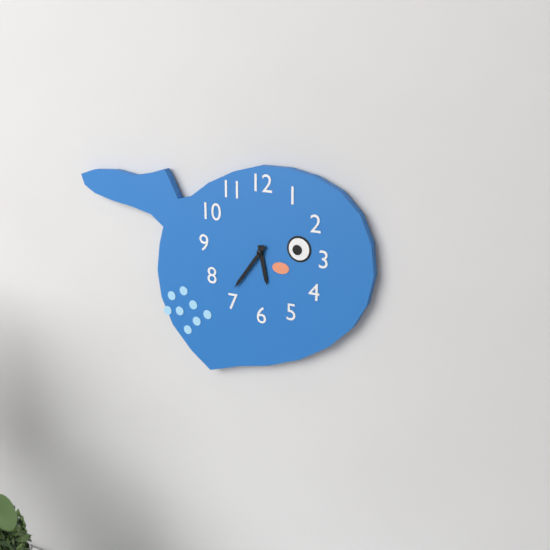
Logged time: 5:36
